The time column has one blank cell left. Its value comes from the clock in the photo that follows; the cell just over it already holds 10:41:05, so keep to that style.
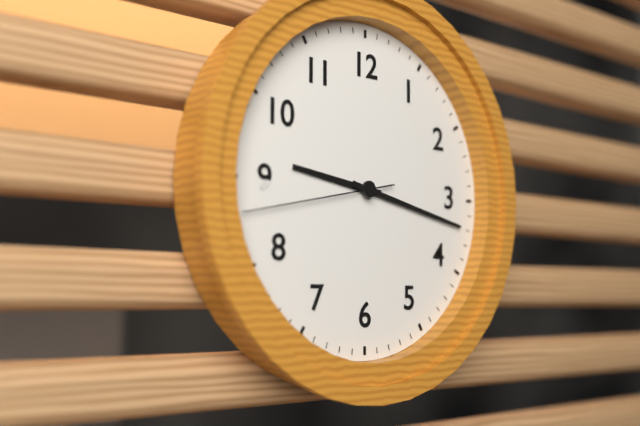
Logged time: 9:17:43
